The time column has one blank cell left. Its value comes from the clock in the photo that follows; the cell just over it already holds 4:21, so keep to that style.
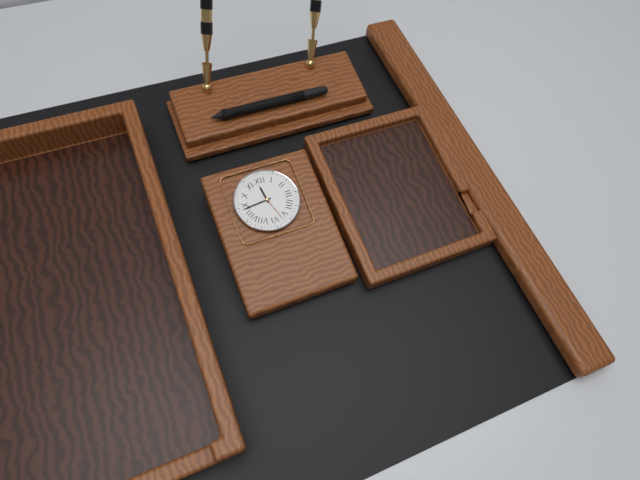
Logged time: 11:44
